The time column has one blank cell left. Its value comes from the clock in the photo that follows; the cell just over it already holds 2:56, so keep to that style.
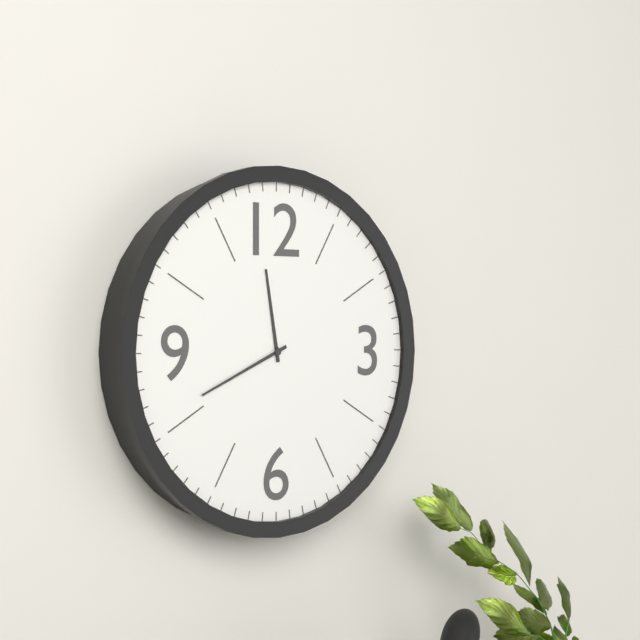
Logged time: 11:41
